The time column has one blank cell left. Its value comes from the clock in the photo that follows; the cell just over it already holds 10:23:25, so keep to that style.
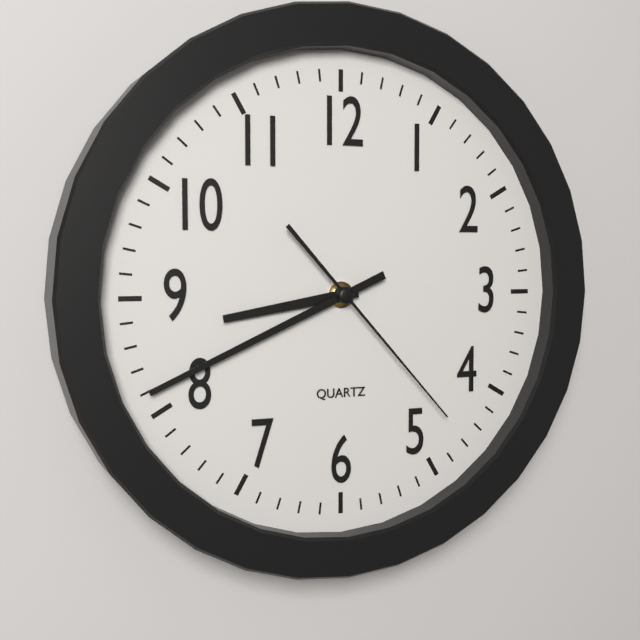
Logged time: 8:41:23
